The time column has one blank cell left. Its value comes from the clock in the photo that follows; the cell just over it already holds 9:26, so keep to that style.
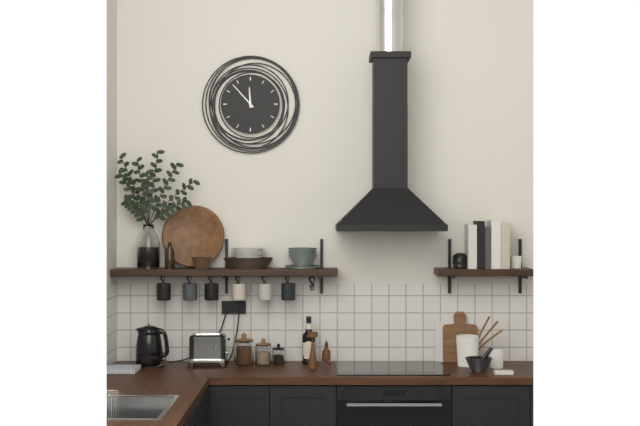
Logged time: 11:53
